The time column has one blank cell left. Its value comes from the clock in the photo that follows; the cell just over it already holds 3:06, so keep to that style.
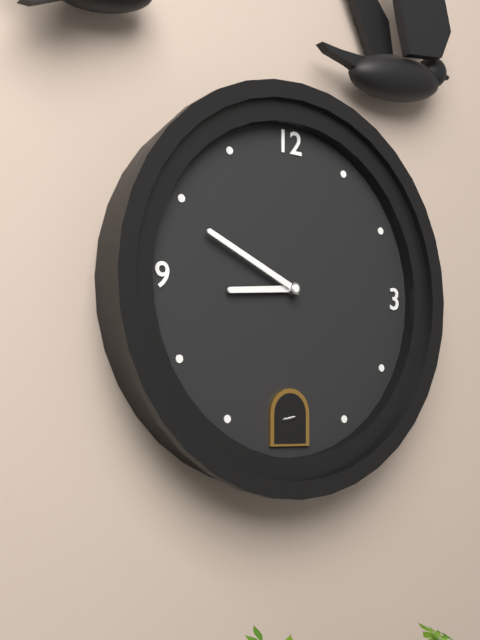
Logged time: 8:49
